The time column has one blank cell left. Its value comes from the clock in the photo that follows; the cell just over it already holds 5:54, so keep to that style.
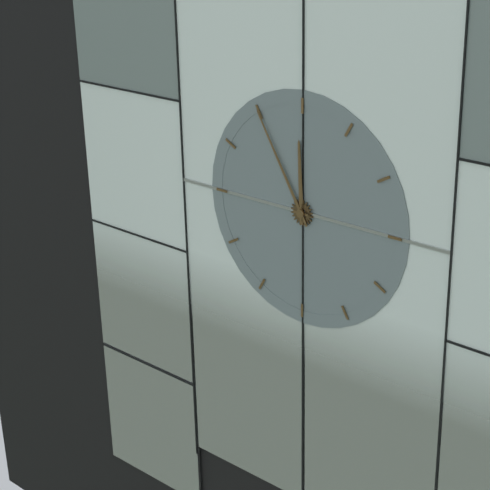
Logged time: 11:55
